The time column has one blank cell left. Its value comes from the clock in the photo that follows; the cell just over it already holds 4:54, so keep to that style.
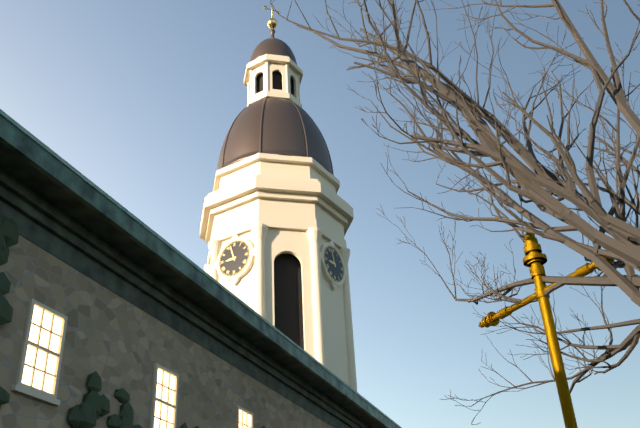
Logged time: 8:57
